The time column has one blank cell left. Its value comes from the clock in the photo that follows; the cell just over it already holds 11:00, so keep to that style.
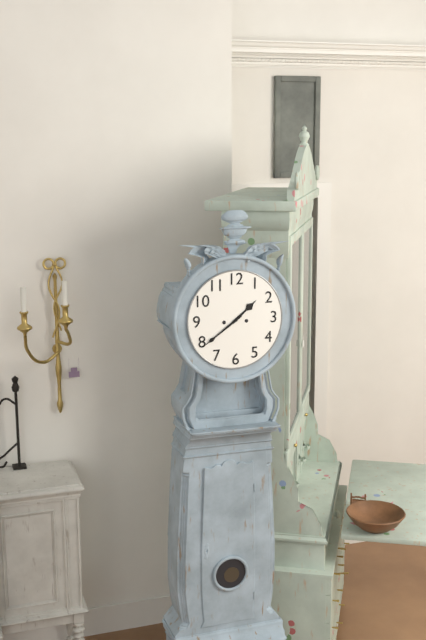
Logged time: 1:39
